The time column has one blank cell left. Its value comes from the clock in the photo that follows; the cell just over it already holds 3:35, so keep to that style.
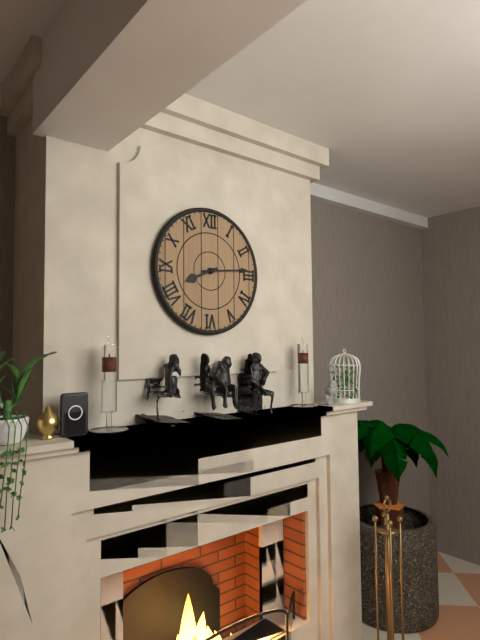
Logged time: 8:14
